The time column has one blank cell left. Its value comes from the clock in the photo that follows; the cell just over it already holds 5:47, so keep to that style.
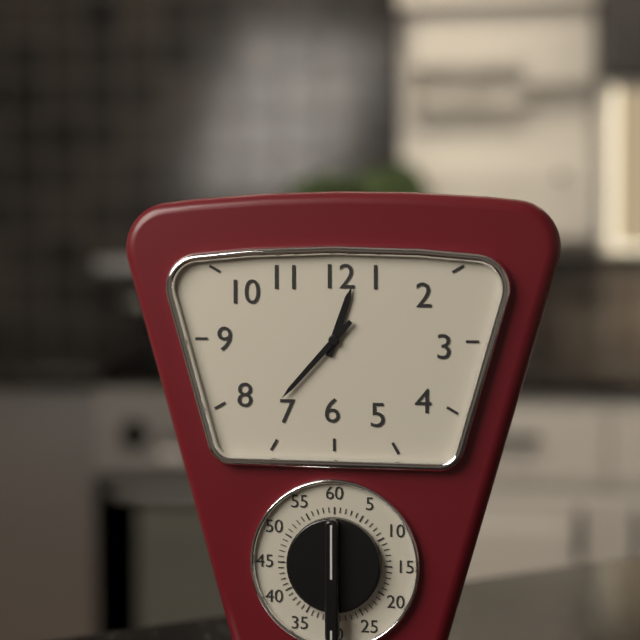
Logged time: 12:37
